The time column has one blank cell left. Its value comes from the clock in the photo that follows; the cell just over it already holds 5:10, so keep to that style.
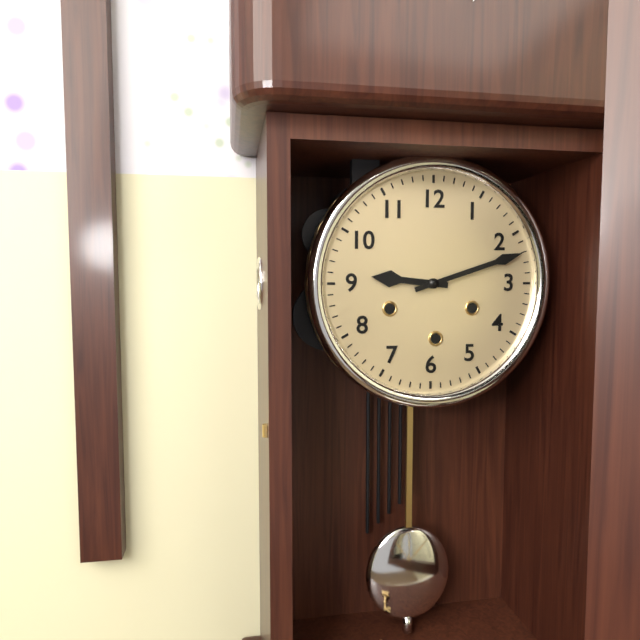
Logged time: 9:12
